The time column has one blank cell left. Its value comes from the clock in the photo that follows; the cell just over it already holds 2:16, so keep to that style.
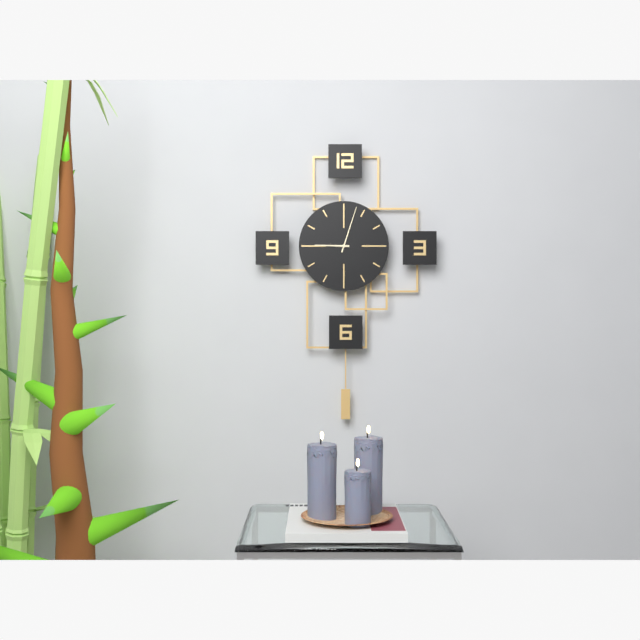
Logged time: 9:03
